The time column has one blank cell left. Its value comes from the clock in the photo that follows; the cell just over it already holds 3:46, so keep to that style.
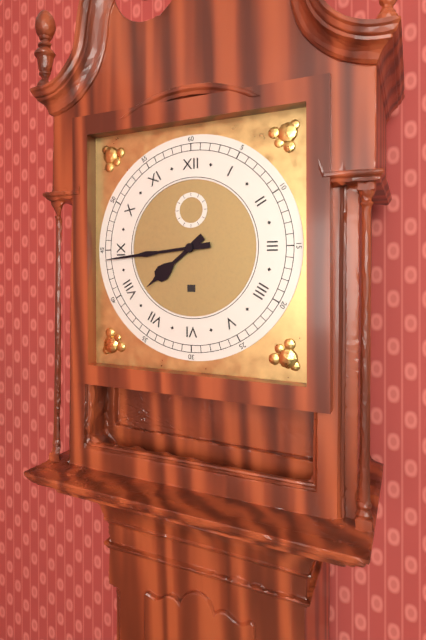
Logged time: 7:44
